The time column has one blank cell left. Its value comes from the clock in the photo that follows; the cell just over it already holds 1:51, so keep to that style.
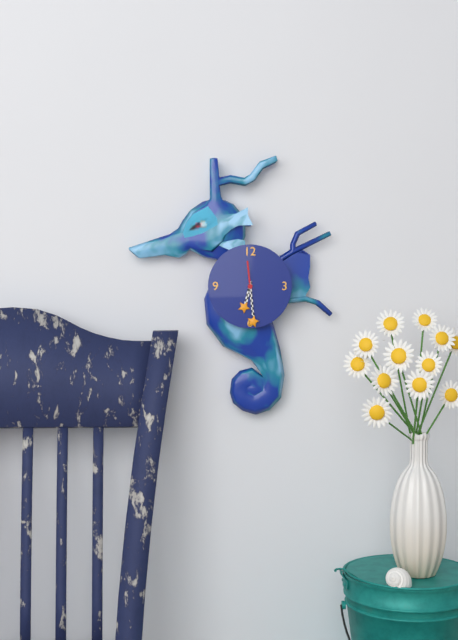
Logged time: 6:29
